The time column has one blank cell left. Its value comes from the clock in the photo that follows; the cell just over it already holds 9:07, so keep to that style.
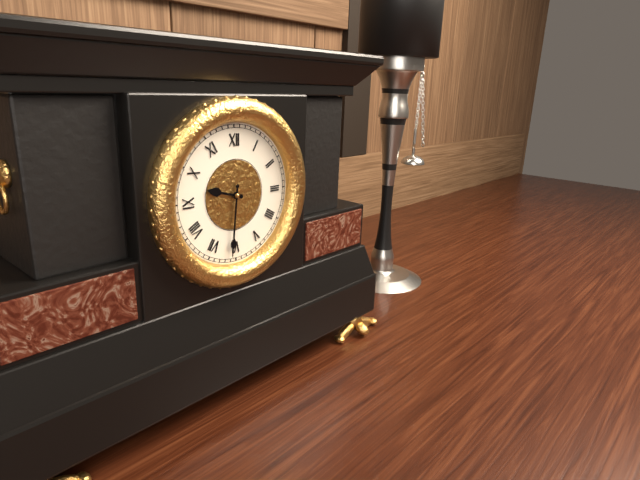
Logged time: 9:31
